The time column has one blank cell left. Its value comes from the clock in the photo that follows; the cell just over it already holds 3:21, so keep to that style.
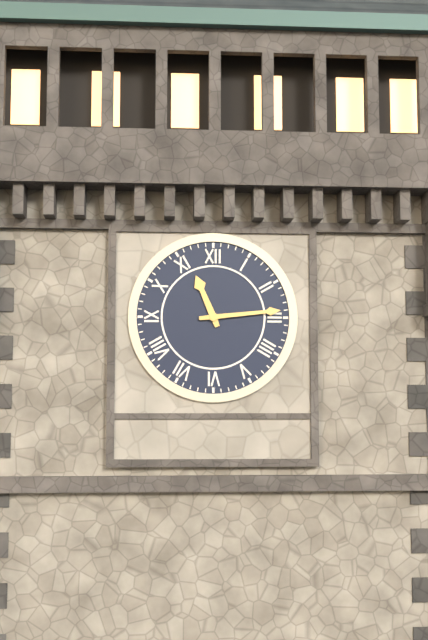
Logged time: 11:14
